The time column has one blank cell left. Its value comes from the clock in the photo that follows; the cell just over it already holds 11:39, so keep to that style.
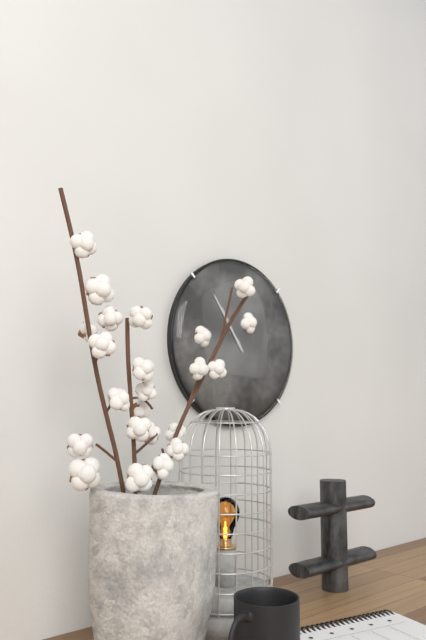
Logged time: 10:54
